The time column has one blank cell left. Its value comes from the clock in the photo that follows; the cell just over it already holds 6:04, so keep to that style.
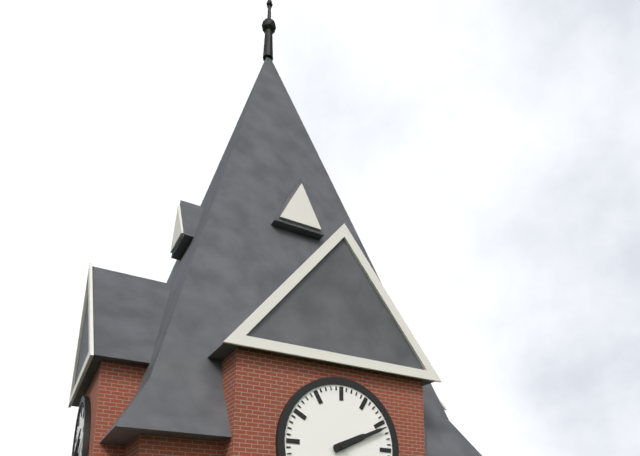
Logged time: 2:11
